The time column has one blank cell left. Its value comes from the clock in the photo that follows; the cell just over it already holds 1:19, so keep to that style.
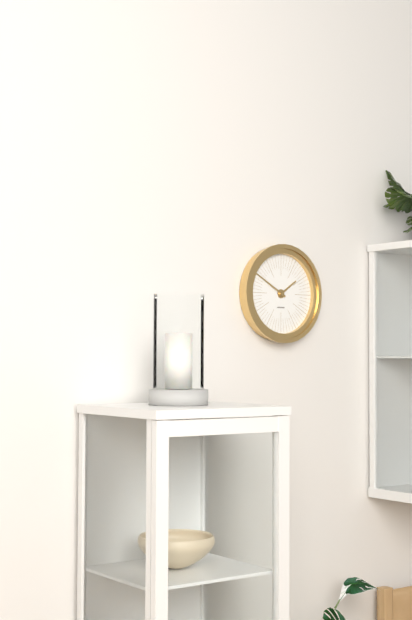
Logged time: 1:50
